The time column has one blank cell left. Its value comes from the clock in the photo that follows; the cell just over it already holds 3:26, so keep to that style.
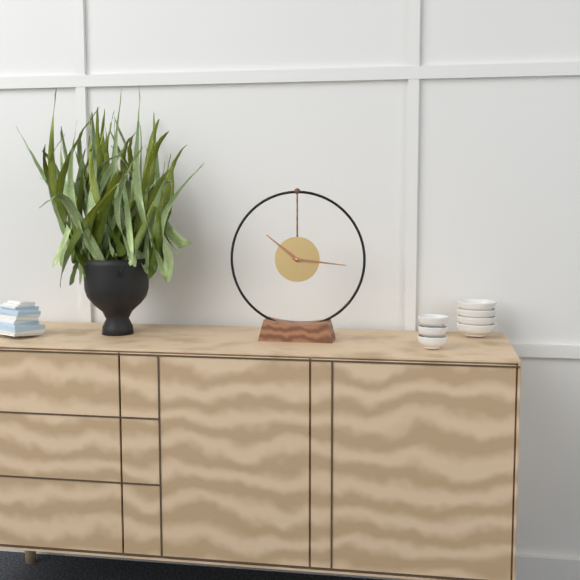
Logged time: 10:16
